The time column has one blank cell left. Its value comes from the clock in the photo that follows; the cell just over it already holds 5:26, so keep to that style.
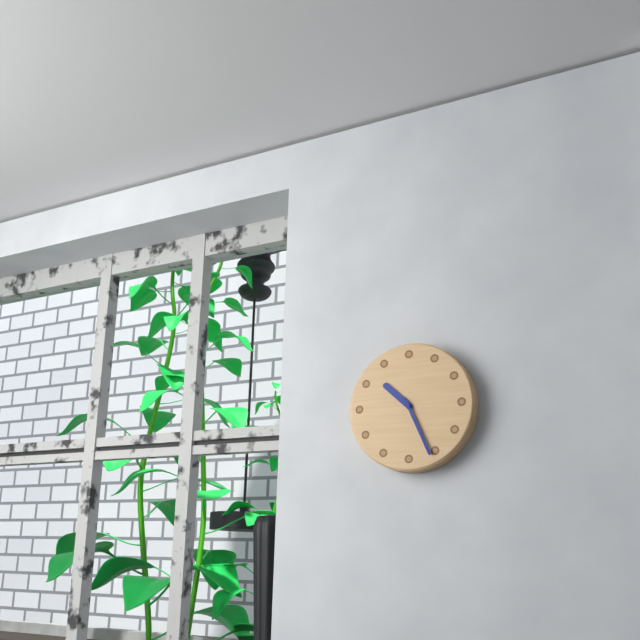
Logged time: 10:26
